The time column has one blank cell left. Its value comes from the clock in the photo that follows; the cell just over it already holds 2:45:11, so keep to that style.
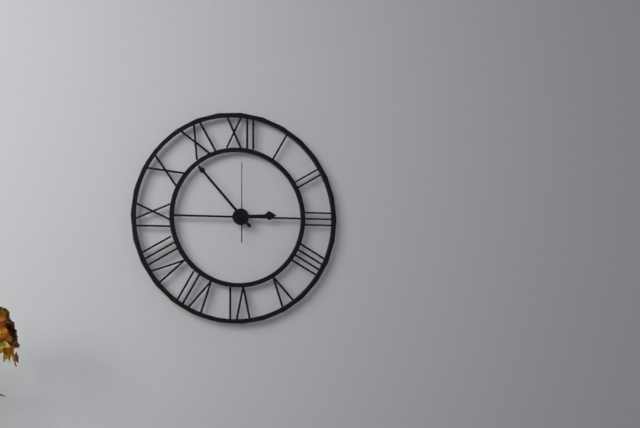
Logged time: 2:53:00
